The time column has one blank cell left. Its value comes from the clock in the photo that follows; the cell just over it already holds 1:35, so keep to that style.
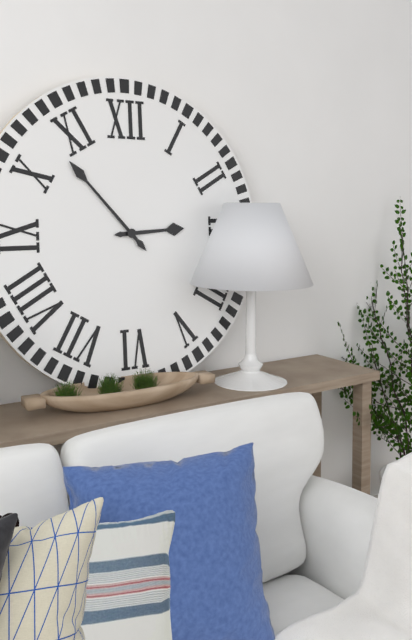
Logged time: 2:53
